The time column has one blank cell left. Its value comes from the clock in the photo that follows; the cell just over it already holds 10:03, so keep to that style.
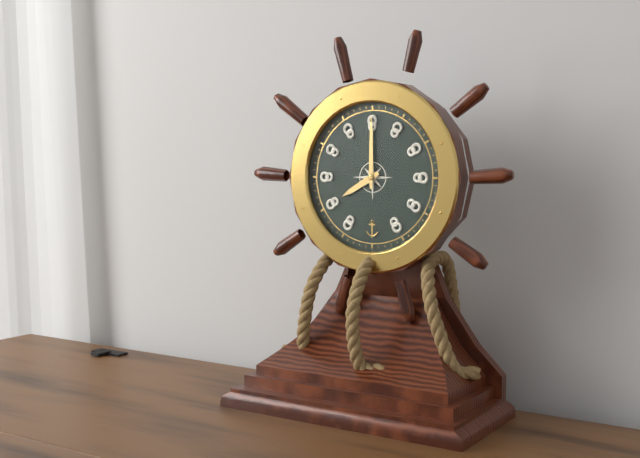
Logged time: 8:00
